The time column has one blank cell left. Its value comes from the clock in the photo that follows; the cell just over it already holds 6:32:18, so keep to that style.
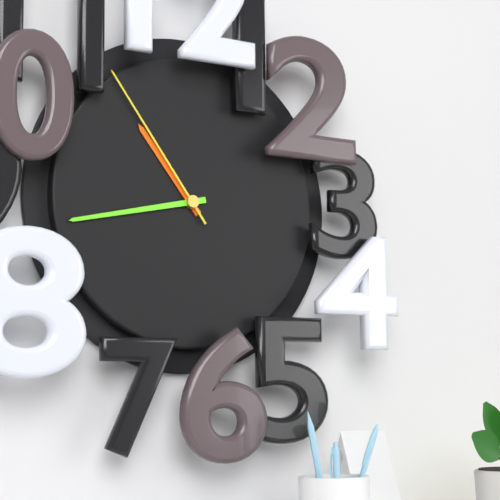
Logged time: 10:43:54
